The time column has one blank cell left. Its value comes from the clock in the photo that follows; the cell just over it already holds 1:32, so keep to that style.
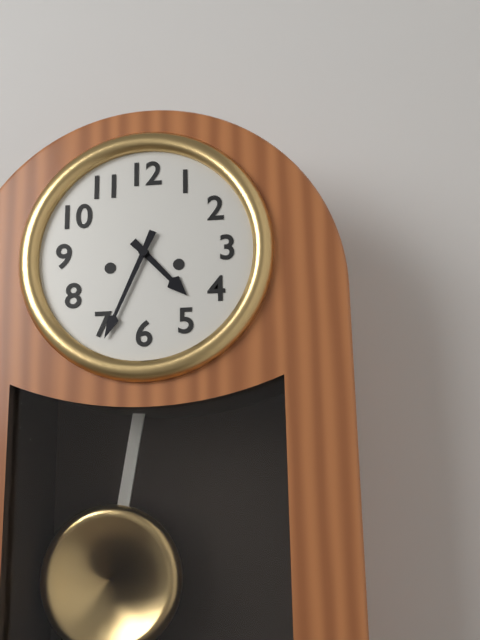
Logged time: 4:34
